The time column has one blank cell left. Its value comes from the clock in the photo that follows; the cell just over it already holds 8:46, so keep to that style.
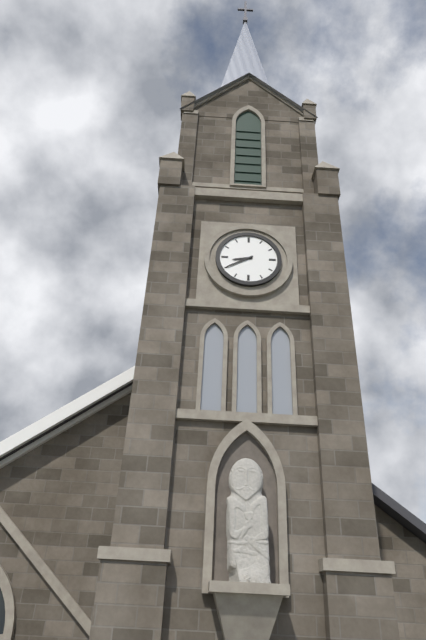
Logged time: 8:40
